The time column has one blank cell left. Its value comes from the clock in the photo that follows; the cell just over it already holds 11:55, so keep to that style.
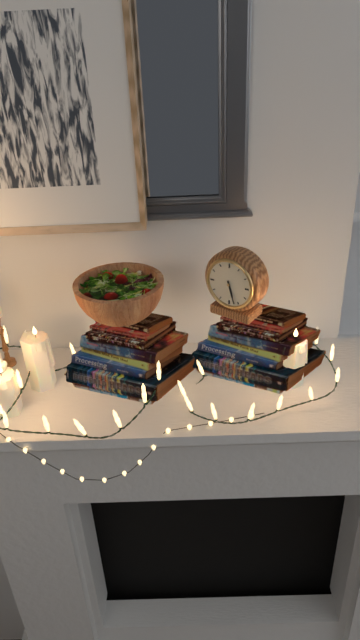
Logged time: 5:27
